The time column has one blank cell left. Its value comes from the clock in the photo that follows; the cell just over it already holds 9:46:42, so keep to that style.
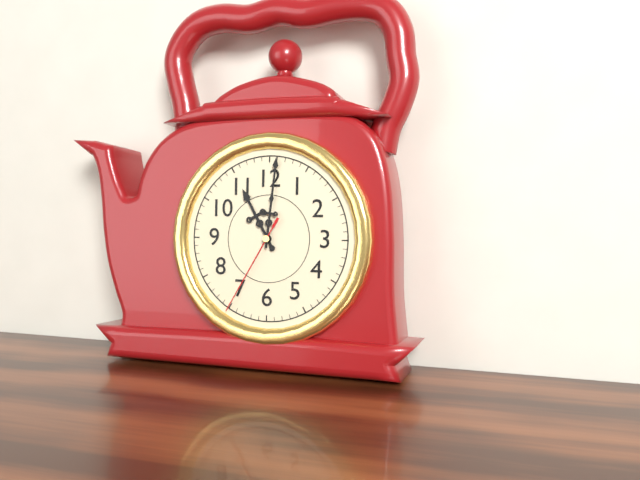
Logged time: 11:01:35
